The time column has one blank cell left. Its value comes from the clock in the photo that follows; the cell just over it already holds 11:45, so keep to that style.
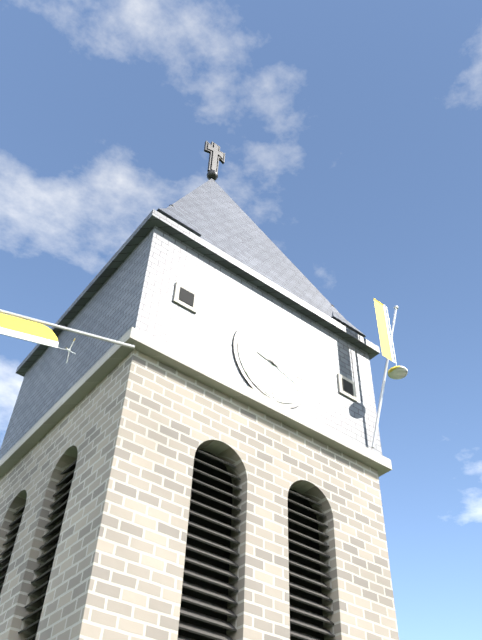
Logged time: 9:18
